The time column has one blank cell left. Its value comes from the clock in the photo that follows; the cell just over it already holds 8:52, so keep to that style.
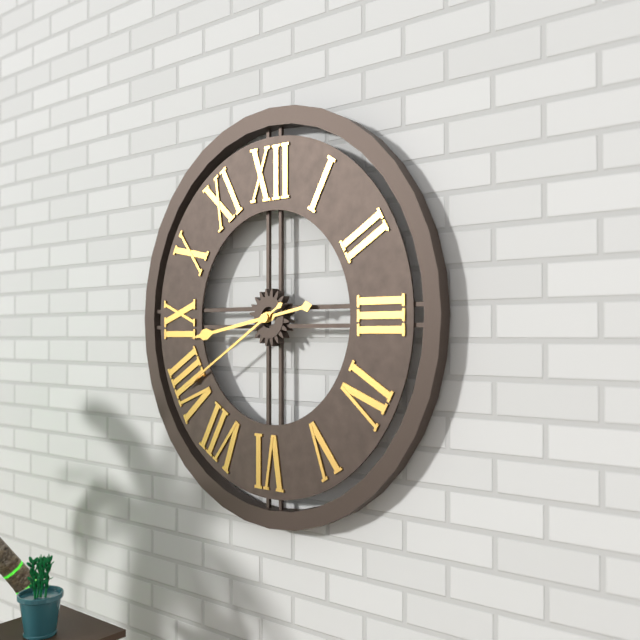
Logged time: 8:40
